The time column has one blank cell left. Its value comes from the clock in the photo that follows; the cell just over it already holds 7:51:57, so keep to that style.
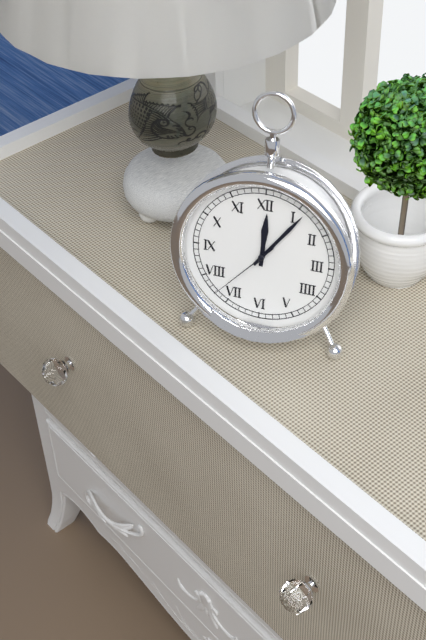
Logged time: 12:06:37
